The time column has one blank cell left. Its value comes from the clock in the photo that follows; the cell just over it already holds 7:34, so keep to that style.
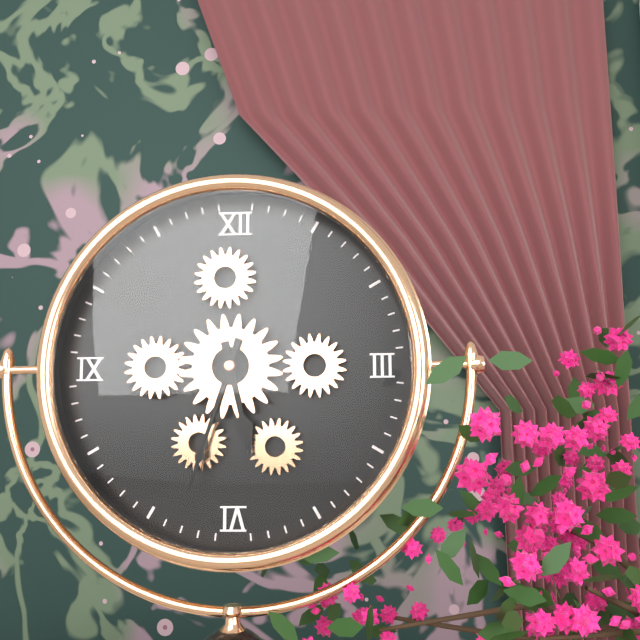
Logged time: 5:33
